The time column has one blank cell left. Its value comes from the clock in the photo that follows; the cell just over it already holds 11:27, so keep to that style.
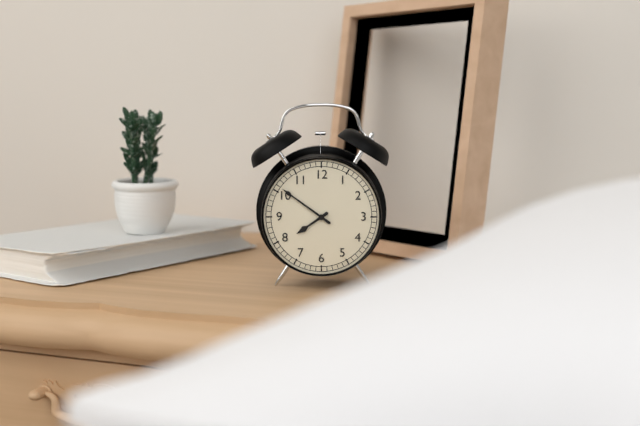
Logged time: 7:51
